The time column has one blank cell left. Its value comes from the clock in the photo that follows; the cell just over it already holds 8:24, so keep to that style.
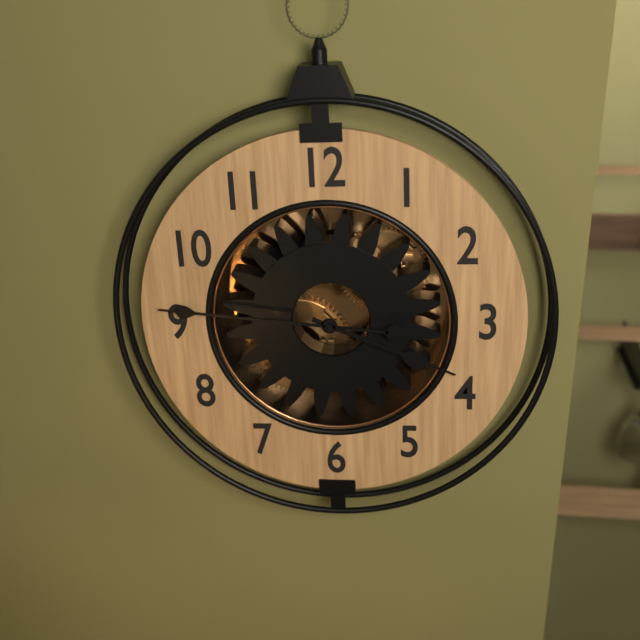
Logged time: 3:46
